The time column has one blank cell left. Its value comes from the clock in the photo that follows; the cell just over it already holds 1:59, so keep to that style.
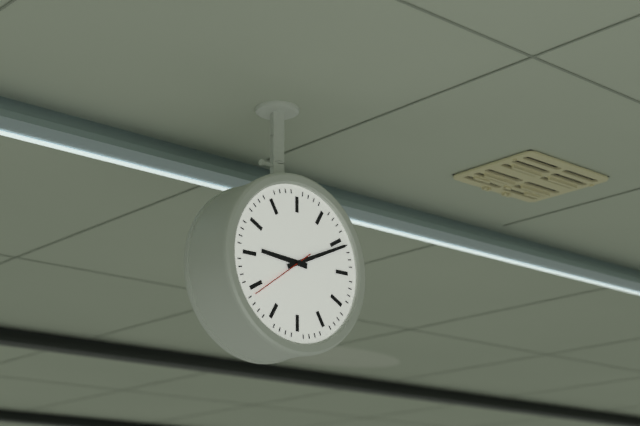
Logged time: 9:11
